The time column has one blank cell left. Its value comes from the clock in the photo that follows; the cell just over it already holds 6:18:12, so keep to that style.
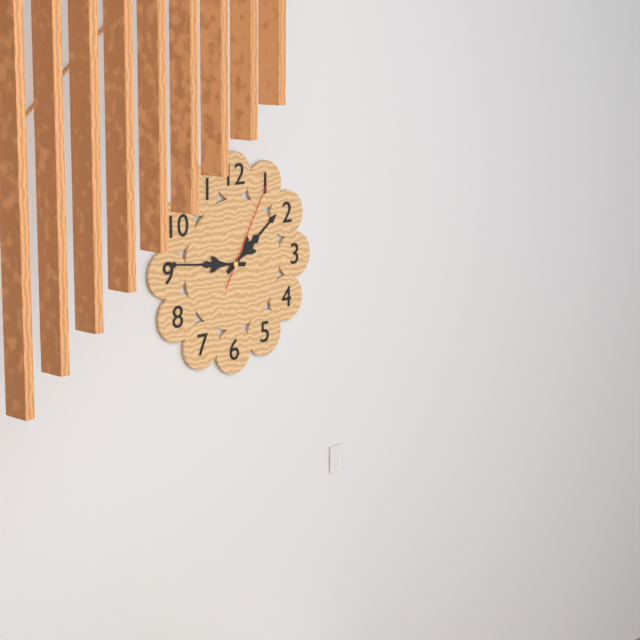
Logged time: 1:46:05
